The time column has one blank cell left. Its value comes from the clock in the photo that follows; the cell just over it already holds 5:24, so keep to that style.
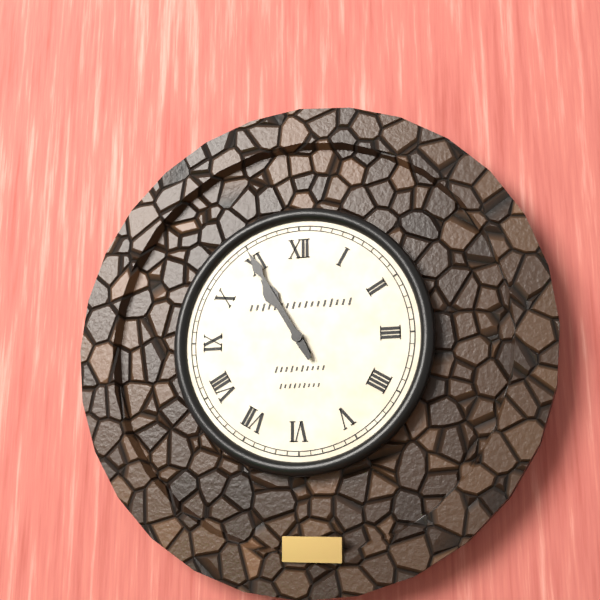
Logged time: 10:55
